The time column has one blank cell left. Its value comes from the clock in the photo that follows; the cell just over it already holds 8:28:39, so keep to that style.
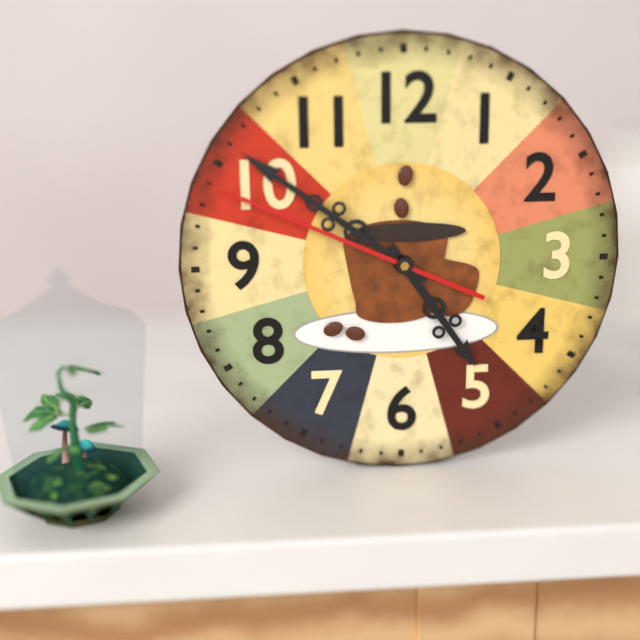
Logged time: 4:51:49
